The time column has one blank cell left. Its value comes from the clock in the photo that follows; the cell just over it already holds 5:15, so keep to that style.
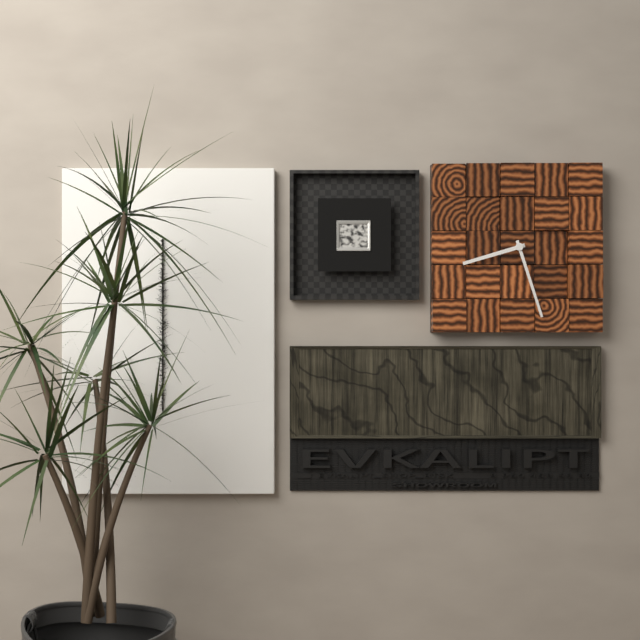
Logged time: 8:27
